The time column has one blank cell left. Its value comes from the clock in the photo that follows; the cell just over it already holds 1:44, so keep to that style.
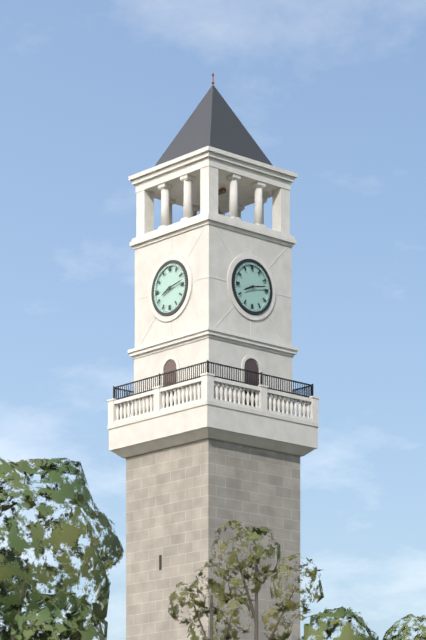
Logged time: 8:13
